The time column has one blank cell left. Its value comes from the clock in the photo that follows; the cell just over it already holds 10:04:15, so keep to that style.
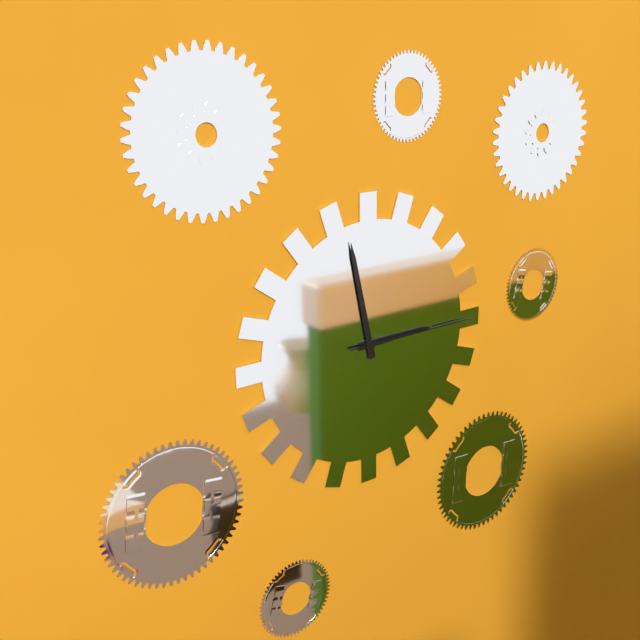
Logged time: 2:58:15
